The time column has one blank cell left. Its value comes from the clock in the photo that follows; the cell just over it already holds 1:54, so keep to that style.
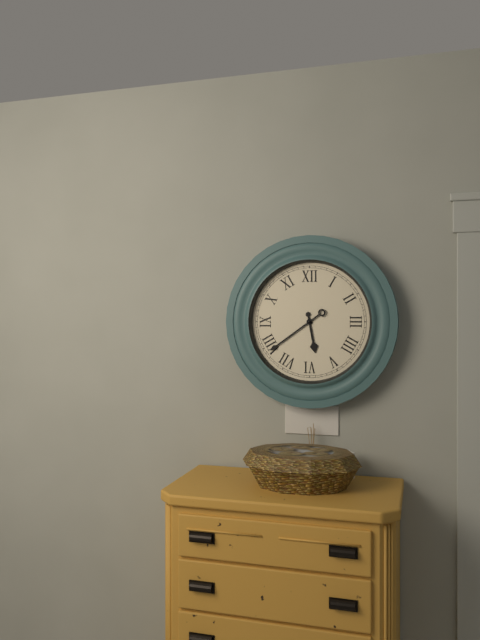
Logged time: 5:39
